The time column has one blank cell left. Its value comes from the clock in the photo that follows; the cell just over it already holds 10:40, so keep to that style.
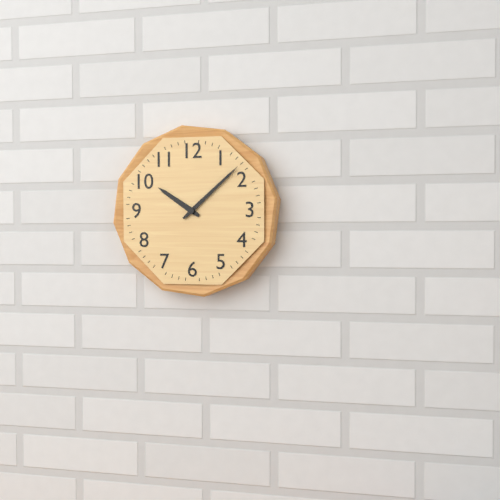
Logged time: 10:08
